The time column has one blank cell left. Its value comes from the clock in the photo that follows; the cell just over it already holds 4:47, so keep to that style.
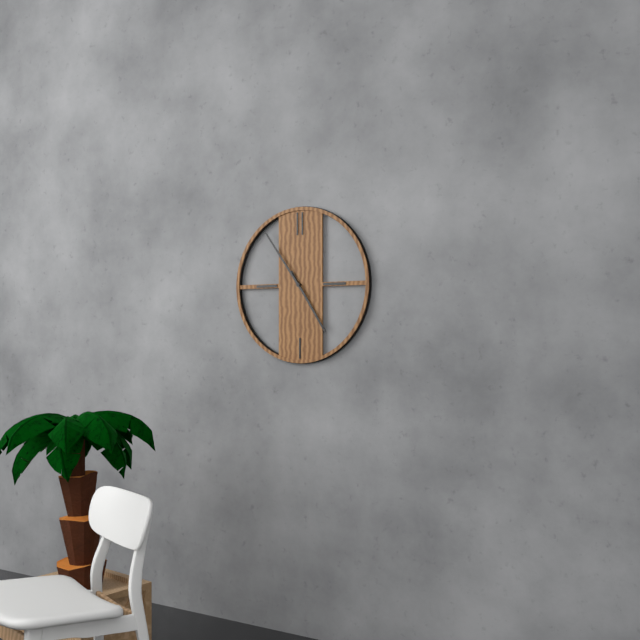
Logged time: 4:54
